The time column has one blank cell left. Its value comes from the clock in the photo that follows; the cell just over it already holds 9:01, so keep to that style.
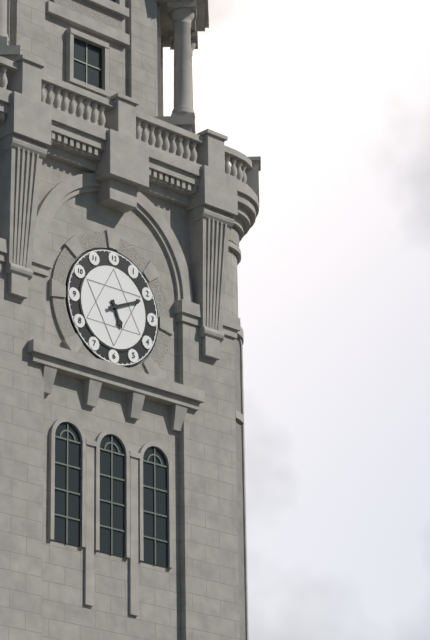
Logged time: 5:11
